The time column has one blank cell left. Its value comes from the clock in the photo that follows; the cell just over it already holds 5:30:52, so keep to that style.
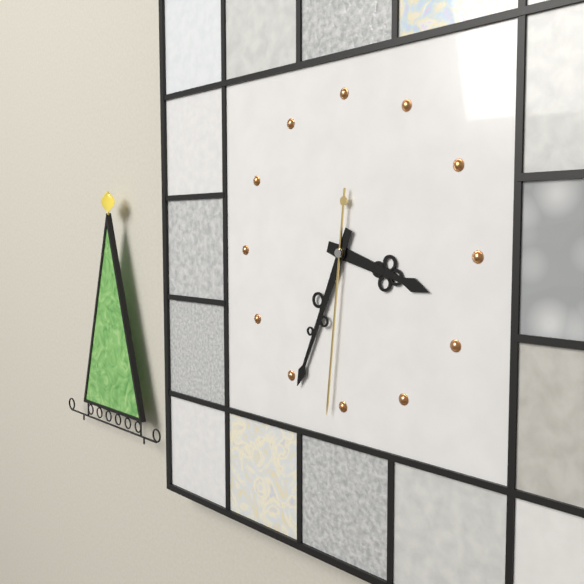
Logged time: 3:34:31
